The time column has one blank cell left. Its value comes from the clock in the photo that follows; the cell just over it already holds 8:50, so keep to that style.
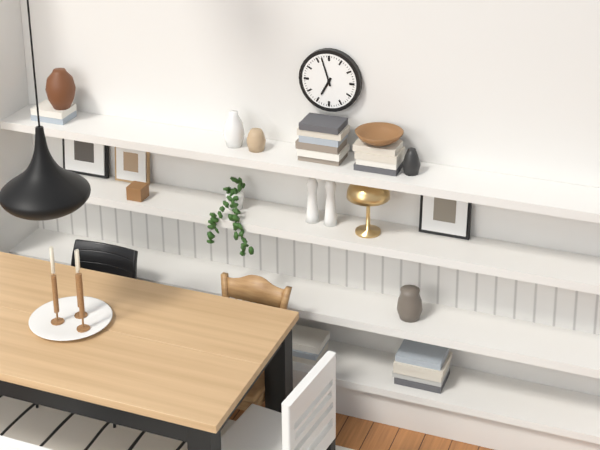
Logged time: 6:57
